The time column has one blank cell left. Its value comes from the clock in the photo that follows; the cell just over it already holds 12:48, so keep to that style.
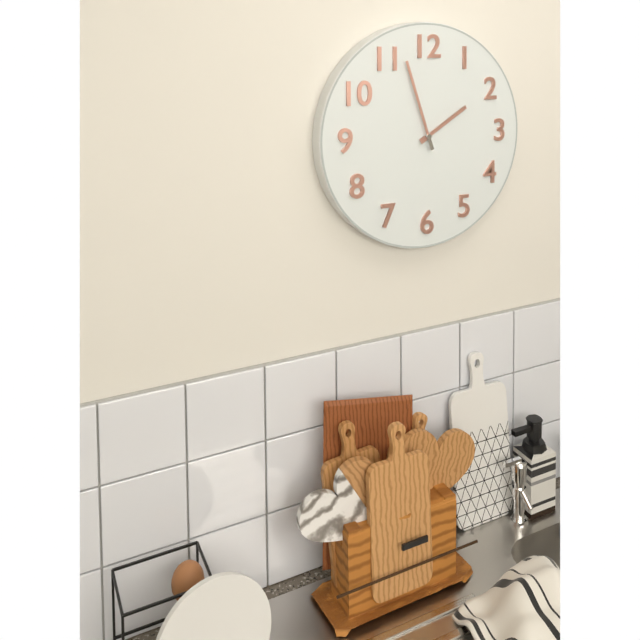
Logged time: 1:57
